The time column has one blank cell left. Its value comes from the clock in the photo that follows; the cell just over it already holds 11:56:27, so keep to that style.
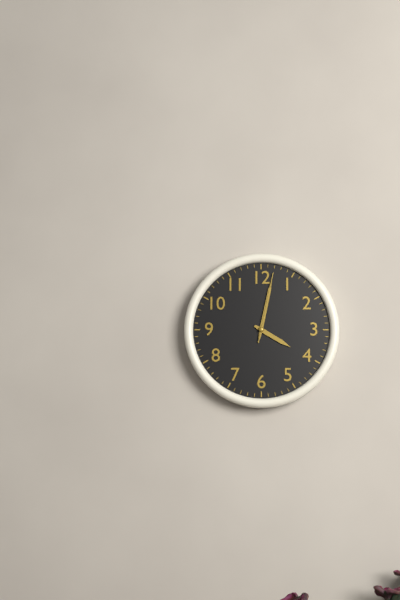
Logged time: 4:02:02
